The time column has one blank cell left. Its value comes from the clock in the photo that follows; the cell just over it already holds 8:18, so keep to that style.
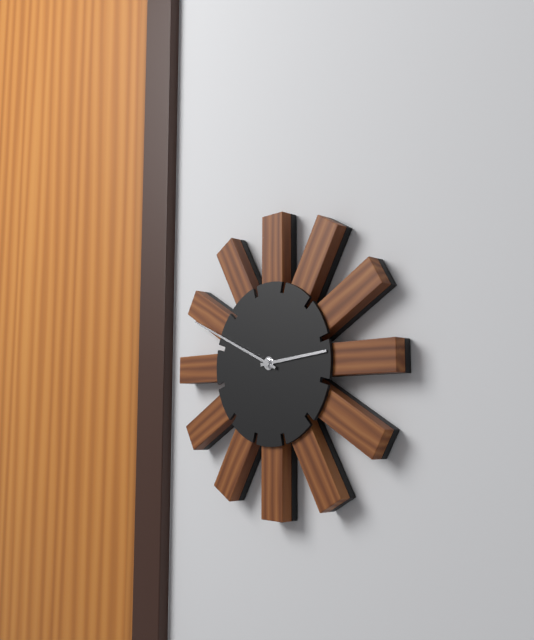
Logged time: 2:49
